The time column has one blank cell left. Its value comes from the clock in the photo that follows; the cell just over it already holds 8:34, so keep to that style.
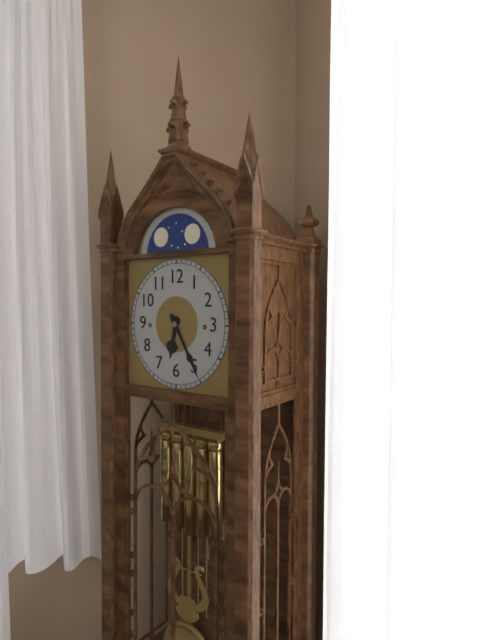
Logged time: 6:25
